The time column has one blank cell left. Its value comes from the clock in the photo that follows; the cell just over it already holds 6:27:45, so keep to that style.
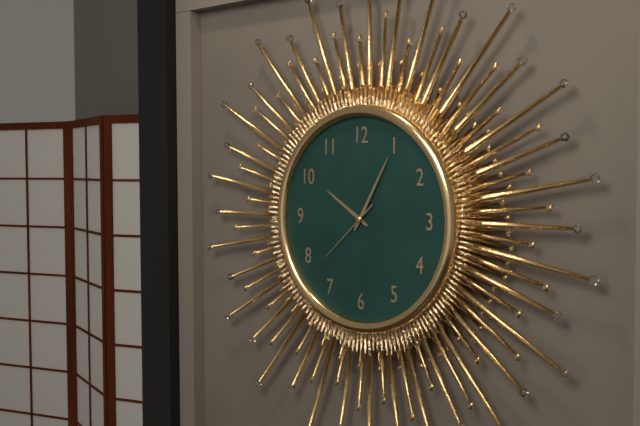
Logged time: 10:05:38
